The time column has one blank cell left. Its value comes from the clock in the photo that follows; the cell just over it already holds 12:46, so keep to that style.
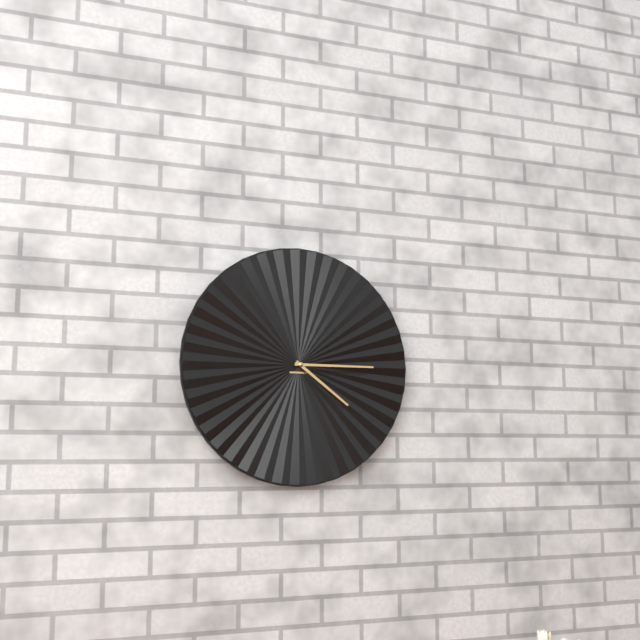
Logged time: 4:15
